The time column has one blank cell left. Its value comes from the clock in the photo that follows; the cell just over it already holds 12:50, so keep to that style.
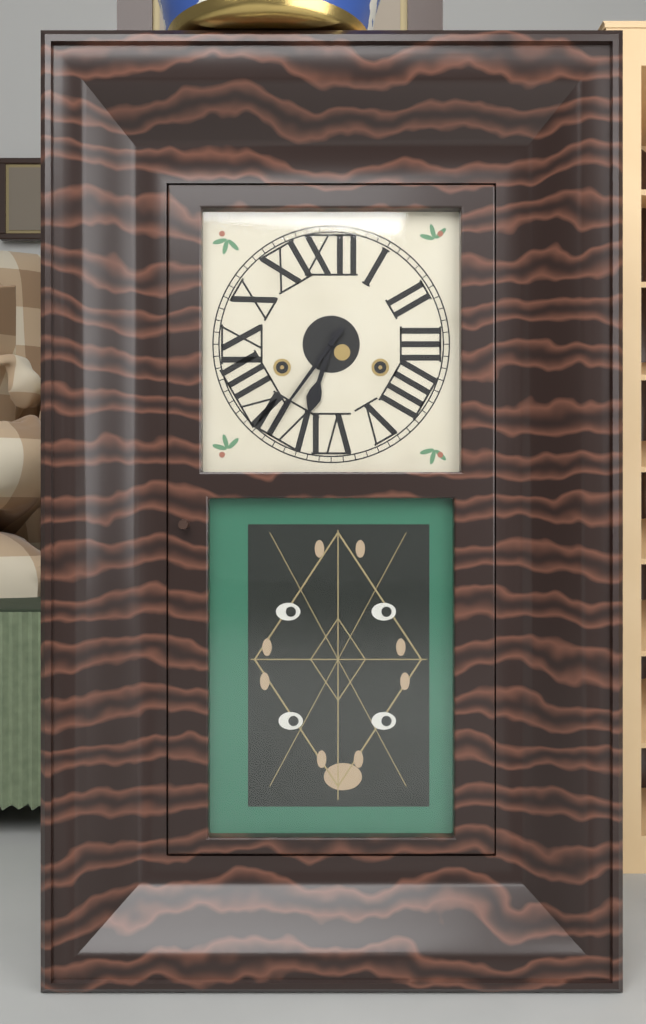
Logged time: 6:36
